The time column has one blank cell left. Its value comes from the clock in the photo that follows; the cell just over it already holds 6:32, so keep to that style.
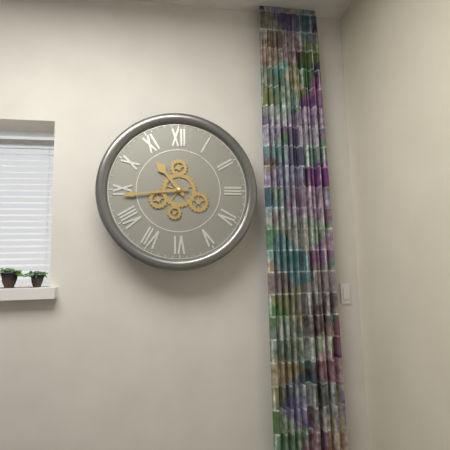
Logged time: 10:44
